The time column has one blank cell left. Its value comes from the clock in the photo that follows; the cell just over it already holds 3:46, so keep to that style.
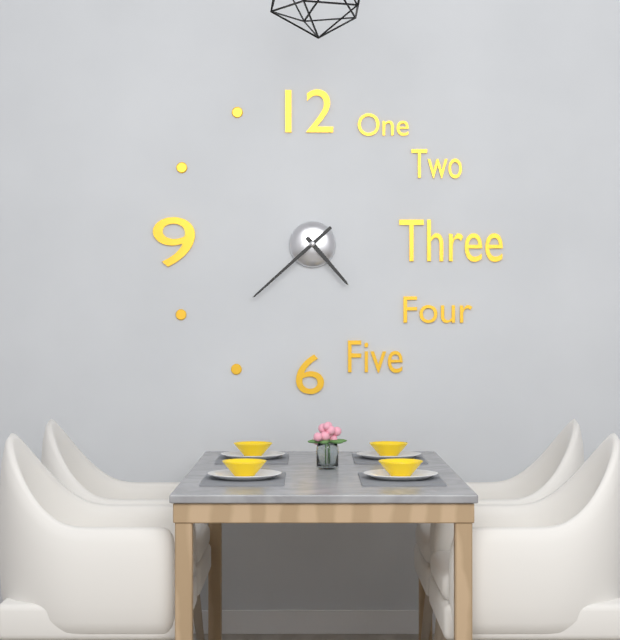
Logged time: 4:38
